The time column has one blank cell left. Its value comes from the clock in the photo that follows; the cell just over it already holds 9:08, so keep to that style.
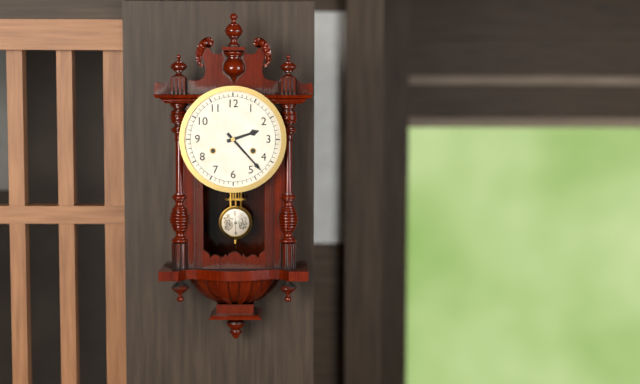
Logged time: 2:23
